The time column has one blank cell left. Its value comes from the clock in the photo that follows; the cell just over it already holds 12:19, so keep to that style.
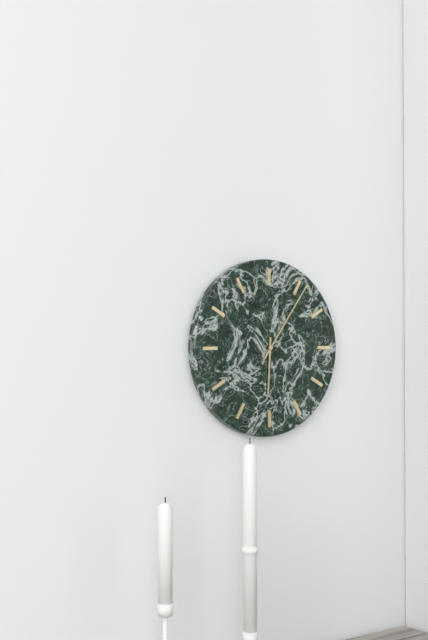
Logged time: 6:06
